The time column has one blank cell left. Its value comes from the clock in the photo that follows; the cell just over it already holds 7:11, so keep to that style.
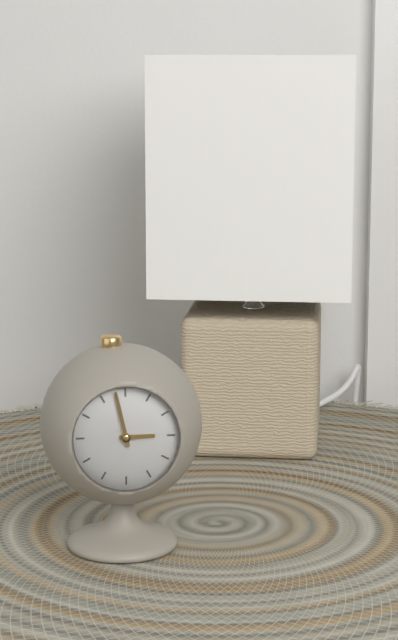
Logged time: 2:58
